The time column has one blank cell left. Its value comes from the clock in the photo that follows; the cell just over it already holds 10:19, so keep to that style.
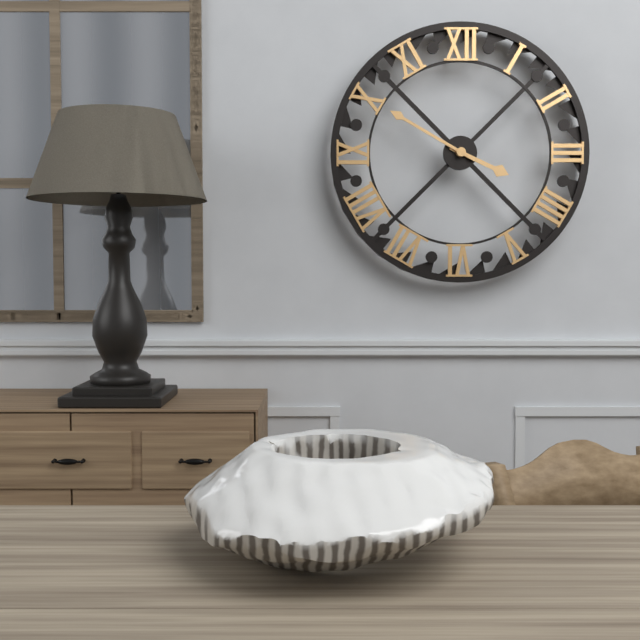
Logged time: 3:50
